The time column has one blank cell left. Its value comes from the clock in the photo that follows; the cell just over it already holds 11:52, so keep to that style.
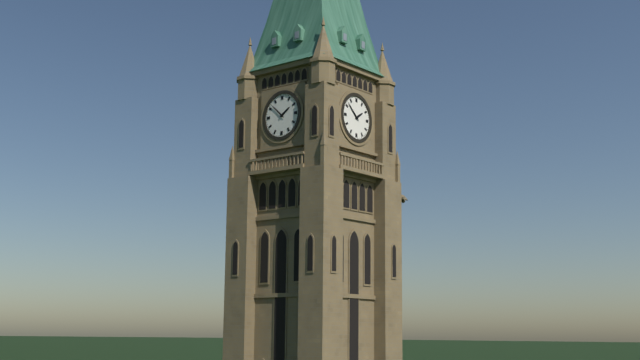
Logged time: 1:52
